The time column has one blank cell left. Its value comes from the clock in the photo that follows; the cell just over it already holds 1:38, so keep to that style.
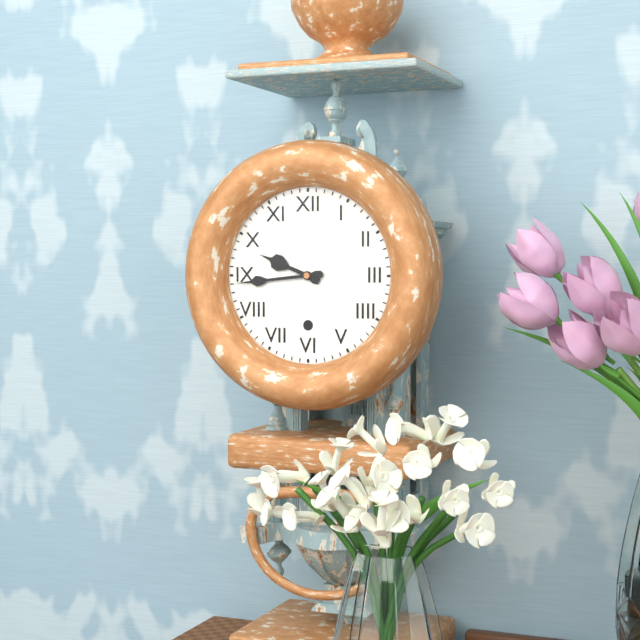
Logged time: 9:44
